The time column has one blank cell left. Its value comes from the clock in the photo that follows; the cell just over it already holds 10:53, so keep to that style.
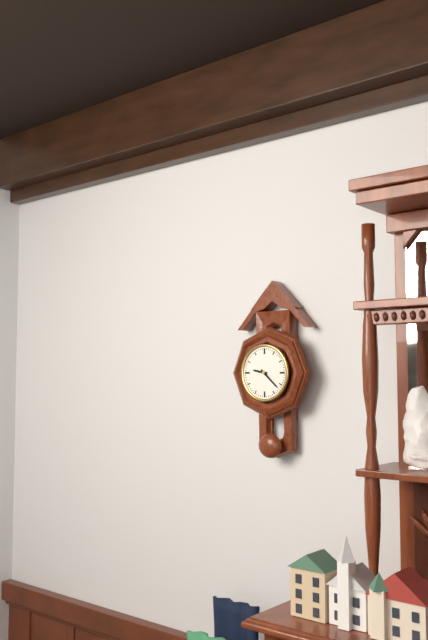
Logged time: 9:22
